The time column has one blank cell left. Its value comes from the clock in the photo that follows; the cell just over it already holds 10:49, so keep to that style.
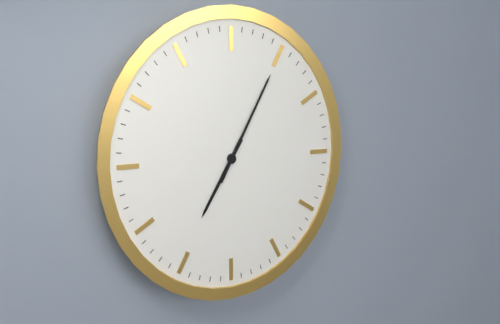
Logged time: 7:05
